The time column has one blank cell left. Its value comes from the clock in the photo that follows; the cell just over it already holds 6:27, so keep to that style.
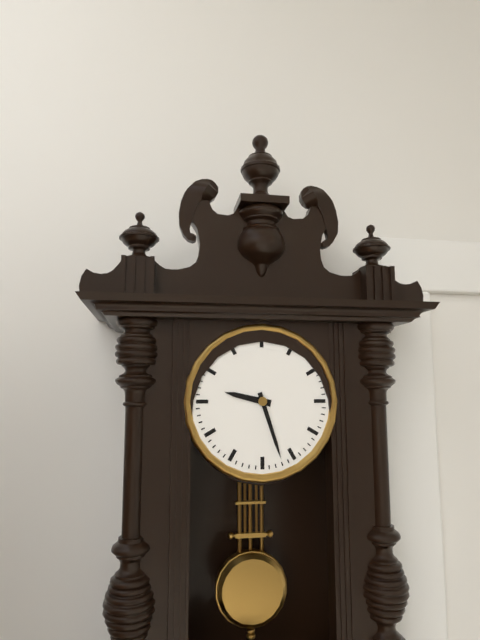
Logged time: 9:27
